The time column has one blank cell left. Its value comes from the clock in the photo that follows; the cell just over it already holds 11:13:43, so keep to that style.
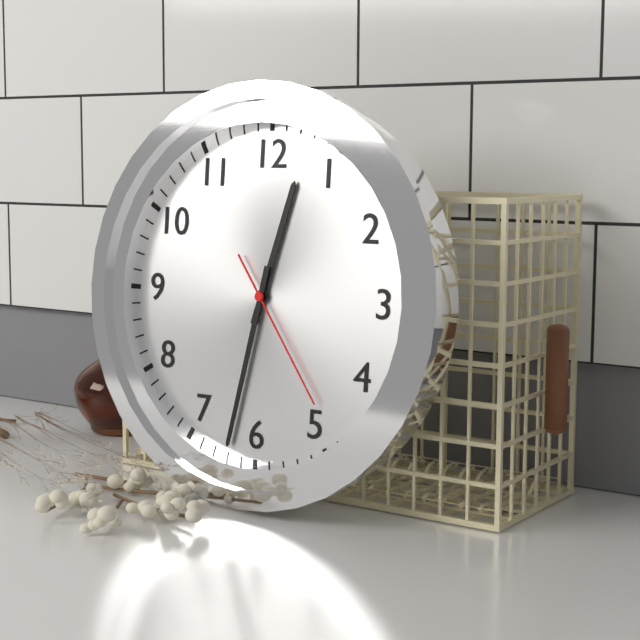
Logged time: 12:32:24
